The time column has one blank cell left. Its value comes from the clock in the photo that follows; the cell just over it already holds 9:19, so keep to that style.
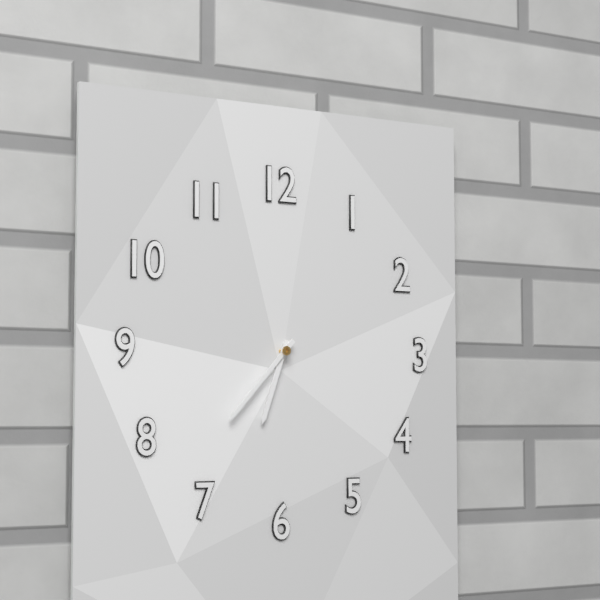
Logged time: 6:37
